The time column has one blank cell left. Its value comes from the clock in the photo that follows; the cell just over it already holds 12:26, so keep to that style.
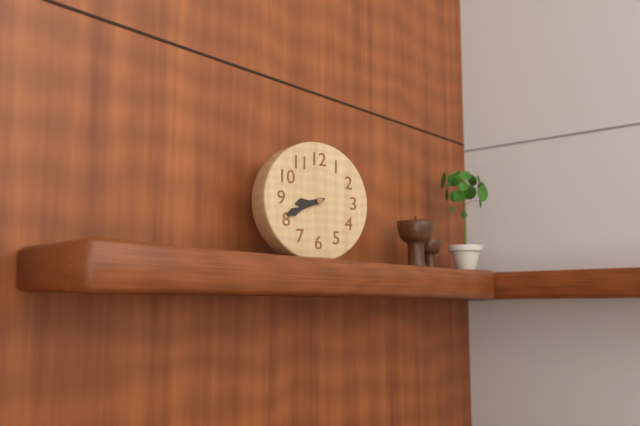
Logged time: 8:41
